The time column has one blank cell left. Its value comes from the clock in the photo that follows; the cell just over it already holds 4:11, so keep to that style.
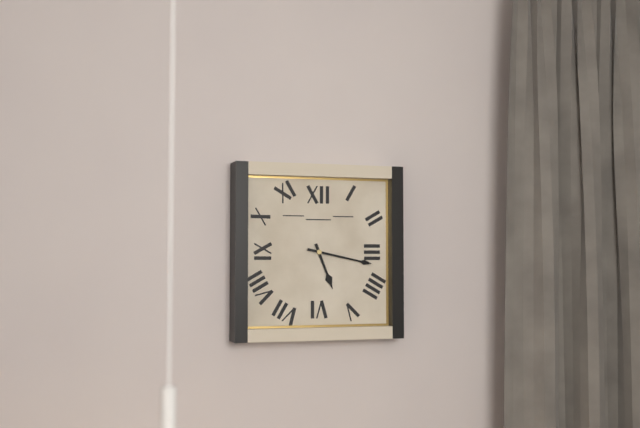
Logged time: 5:17
